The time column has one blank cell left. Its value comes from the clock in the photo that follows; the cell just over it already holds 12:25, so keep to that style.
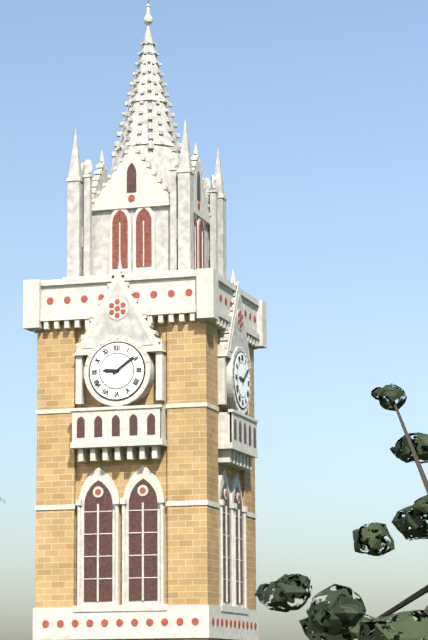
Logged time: 9:09
